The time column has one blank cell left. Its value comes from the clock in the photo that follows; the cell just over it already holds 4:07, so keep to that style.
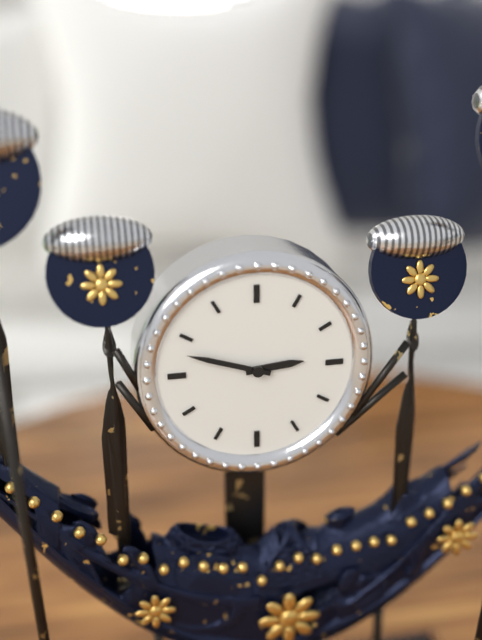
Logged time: 2:48
